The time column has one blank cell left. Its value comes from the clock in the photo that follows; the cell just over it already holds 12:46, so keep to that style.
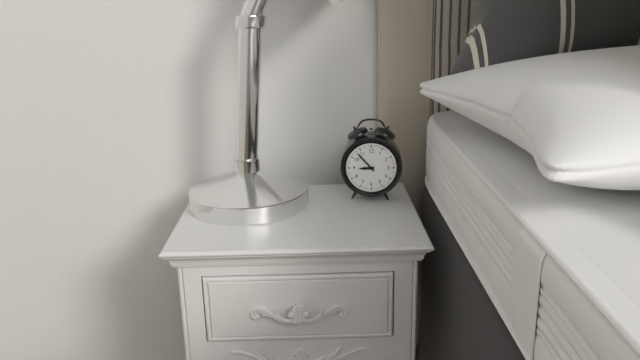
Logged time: 8:53
